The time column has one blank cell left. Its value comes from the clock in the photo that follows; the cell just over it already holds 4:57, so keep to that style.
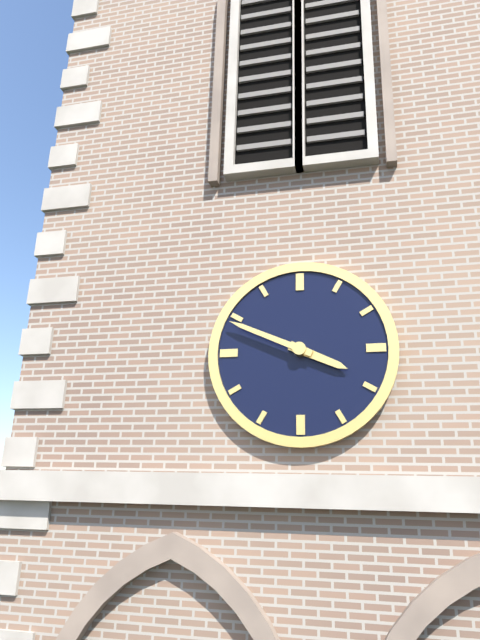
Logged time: 3:49
